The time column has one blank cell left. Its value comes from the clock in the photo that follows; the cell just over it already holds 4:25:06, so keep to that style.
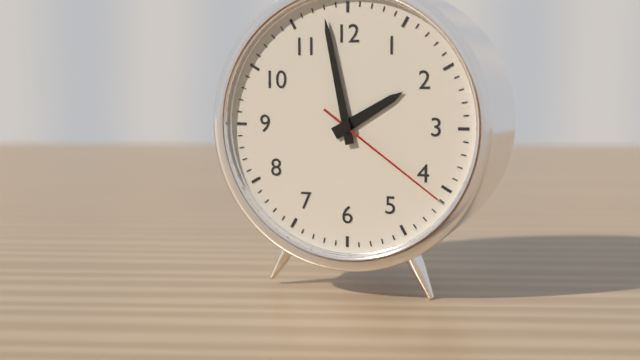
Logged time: 1:58:21
